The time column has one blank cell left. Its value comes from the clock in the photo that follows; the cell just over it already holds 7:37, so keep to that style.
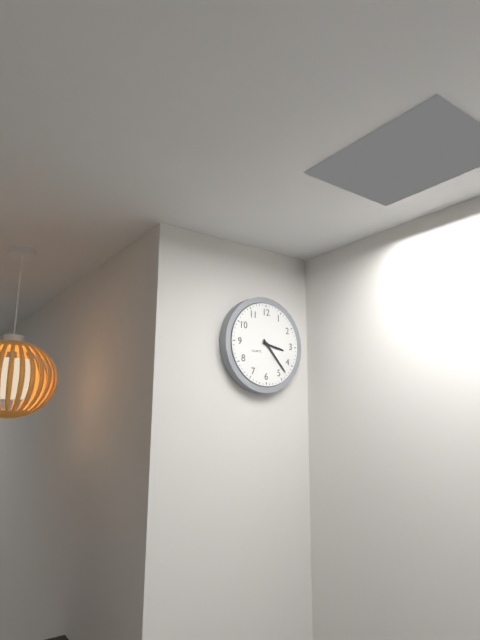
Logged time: 3:23
